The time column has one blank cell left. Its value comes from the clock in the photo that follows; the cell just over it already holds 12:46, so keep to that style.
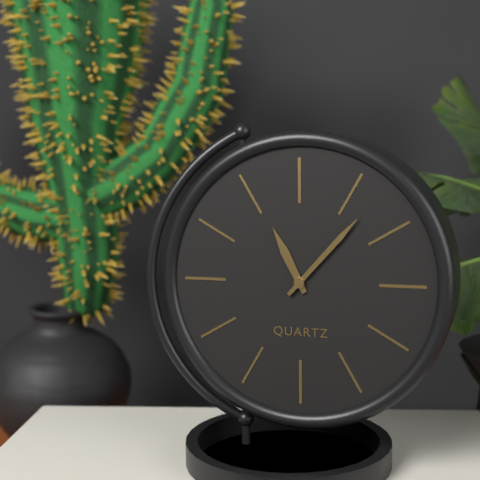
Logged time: 11:07
